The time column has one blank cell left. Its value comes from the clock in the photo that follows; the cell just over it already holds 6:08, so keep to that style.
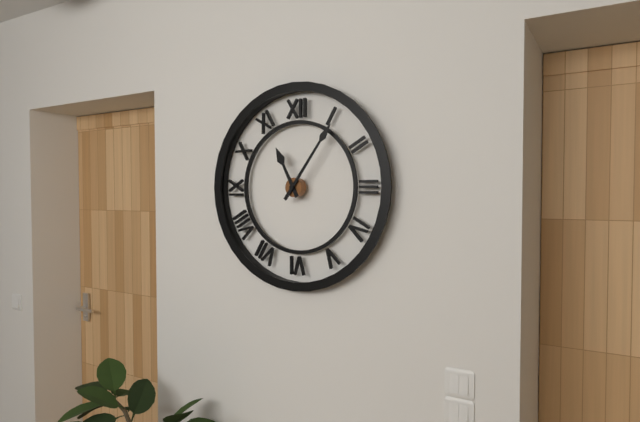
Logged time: 11:06
